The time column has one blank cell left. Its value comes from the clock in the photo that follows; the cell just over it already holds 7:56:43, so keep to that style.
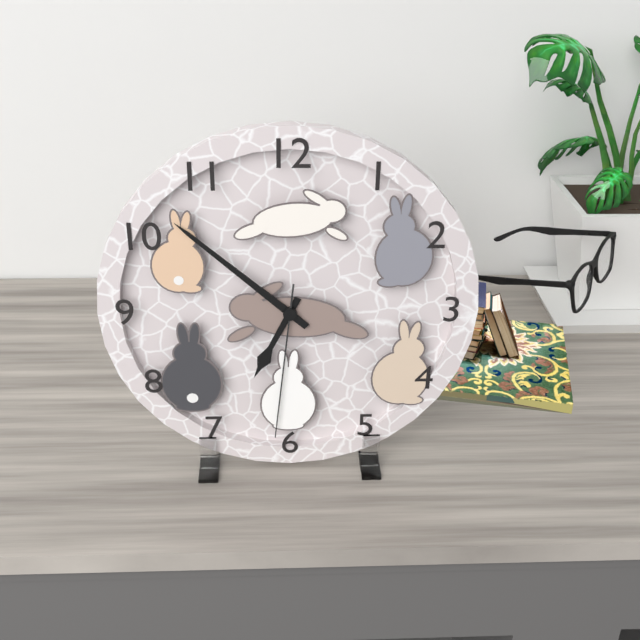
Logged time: 6:52:31
